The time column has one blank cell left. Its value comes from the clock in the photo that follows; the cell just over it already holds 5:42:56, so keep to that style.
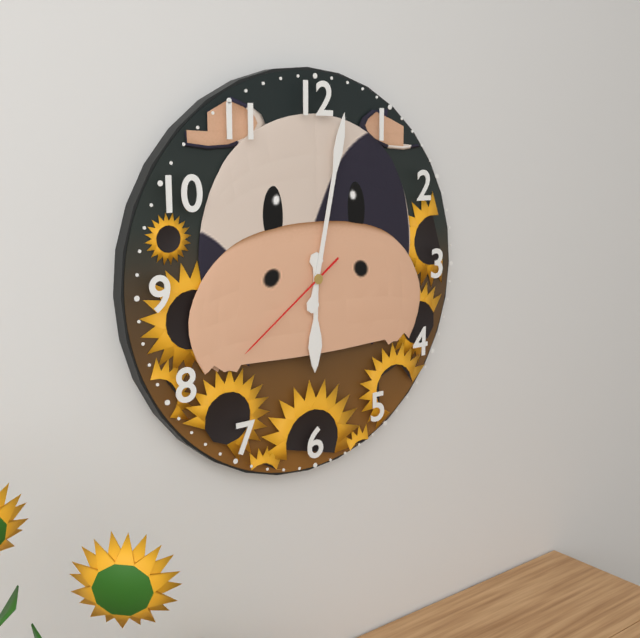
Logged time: 6:02:39
